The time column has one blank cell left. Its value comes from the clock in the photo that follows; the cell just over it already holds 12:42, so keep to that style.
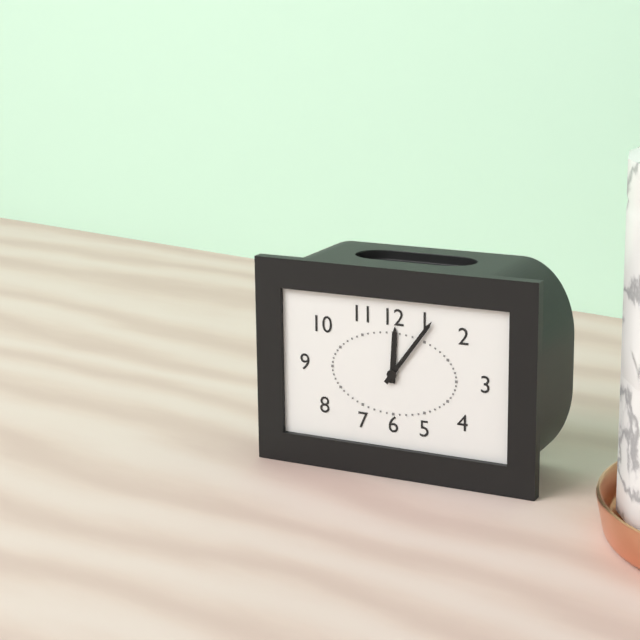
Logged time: 12:06
